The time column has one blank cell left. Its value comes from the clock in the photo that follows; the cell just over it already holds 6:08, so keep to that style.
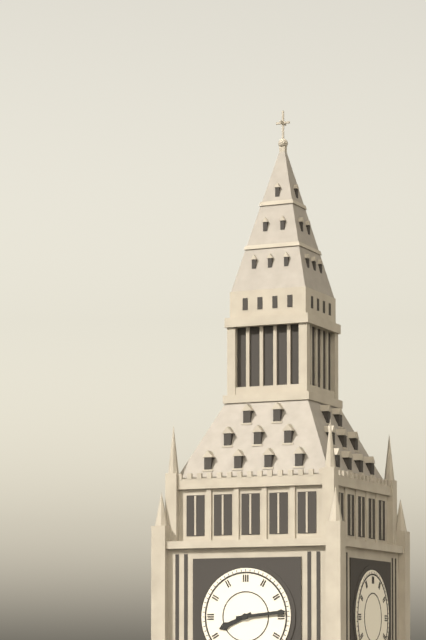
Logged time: 8:14
